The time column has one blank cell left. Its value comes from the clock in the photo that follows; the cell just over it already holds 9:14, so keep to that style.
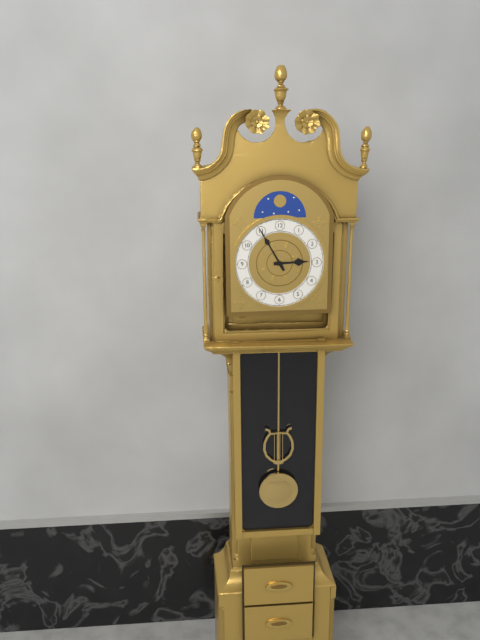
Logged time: 2:55
